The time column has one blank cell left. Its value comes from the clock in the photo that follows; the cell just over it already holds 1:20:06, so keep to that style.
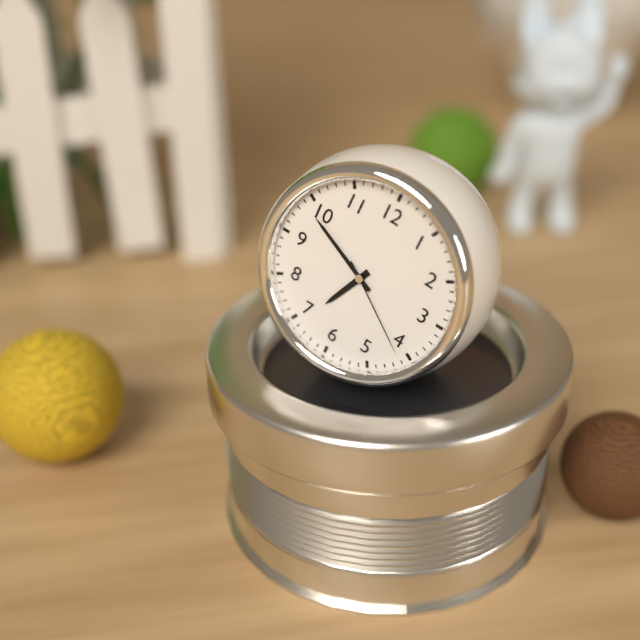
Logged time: 6:49:21
